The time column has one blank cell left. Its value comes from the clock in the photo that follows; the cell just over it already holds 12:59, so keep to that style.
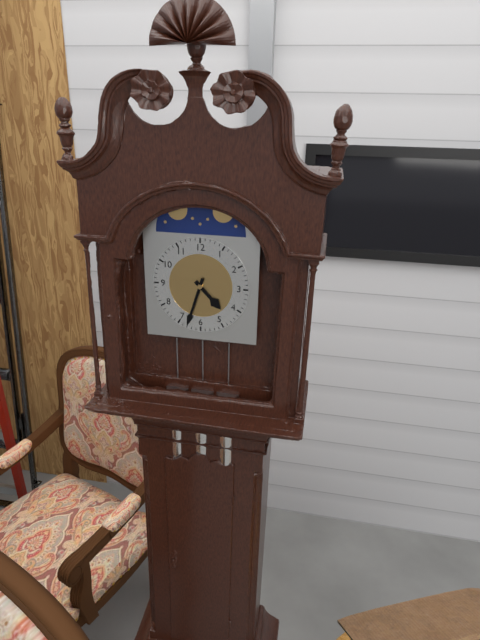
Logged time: 4:33
